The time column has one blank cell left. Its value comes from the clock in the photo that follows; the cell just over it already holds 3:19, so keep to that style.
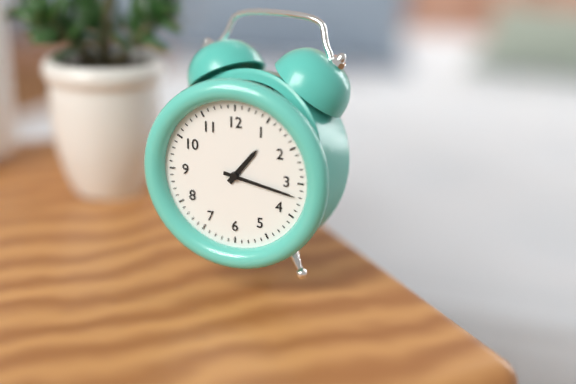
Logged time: 1:17
